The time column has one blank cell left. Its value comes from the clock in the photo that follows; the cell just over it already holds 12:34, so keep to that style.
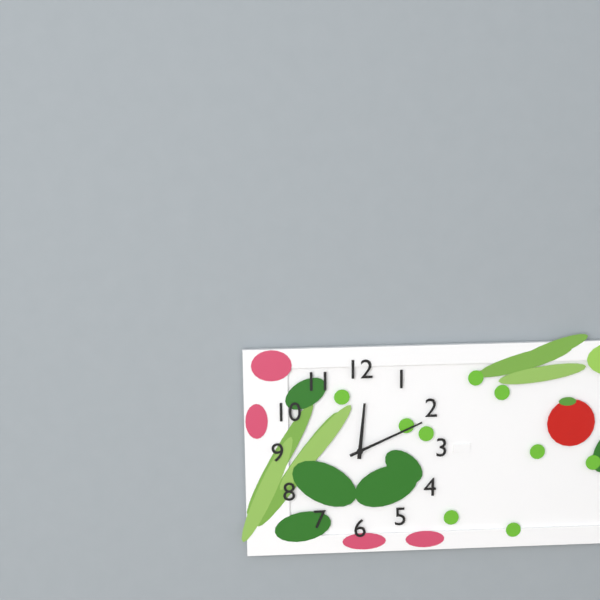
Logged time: 12:11
